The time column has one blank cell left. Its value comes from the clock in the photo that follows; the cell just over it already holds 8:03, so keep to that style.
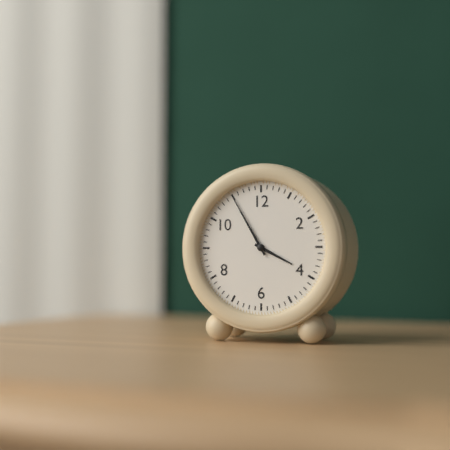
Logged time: 3:55
